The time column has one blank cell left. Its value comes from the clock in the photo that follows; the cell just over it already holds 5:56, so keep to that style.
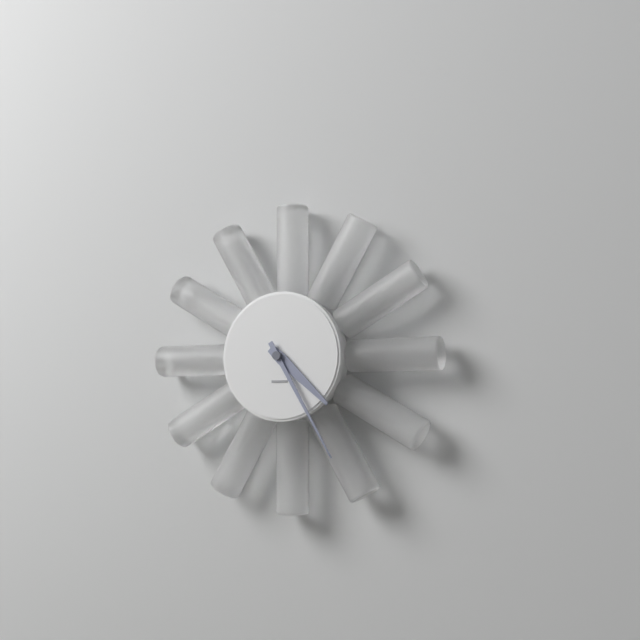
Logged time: 4:25
